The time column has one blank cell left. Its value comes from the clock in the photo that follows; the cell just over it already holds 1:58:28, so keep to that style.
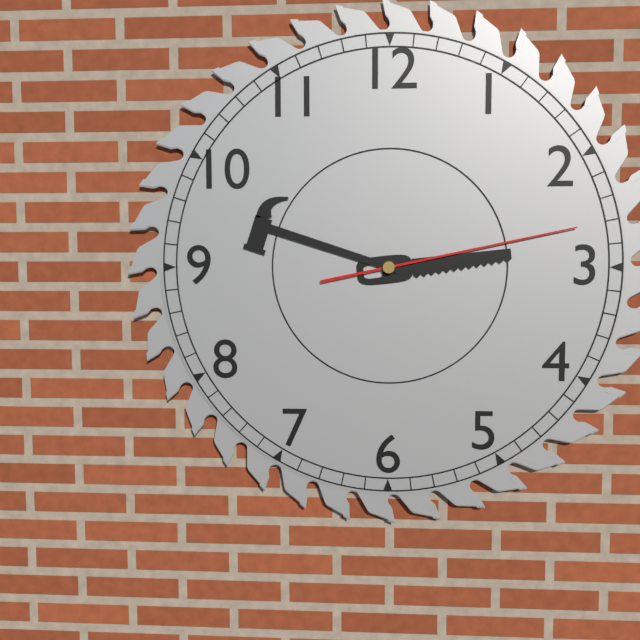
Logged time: 2:48:13
